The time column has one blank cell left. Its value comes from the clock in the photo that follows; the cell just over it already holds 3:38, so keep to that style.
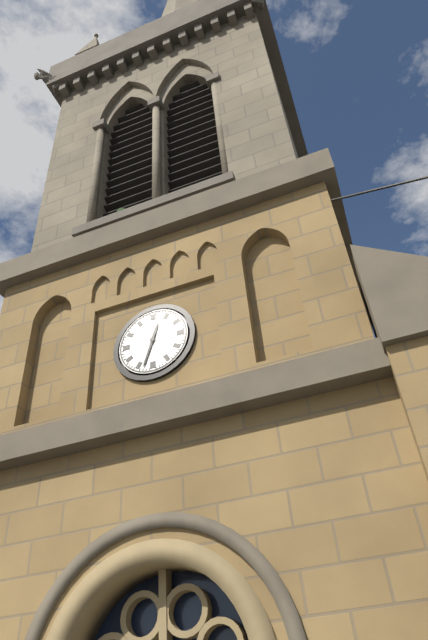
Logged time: 12:33
